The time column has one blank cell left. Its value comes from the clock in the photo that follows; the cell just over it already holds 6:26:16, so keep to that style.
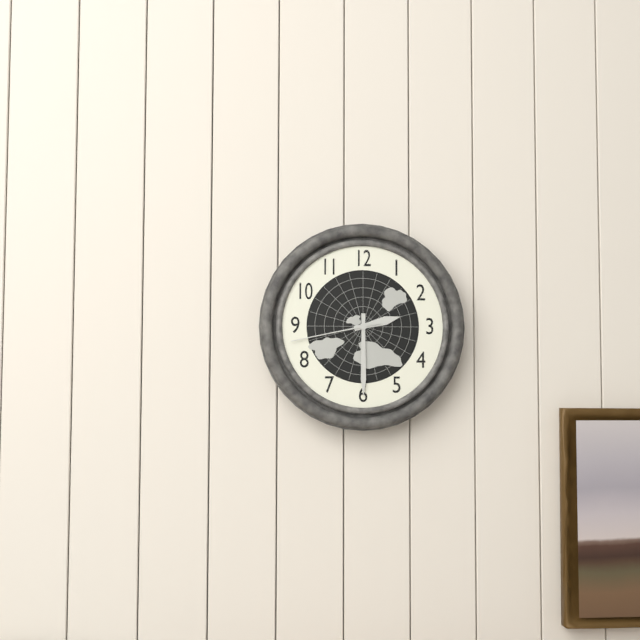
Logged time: 2:30:43
